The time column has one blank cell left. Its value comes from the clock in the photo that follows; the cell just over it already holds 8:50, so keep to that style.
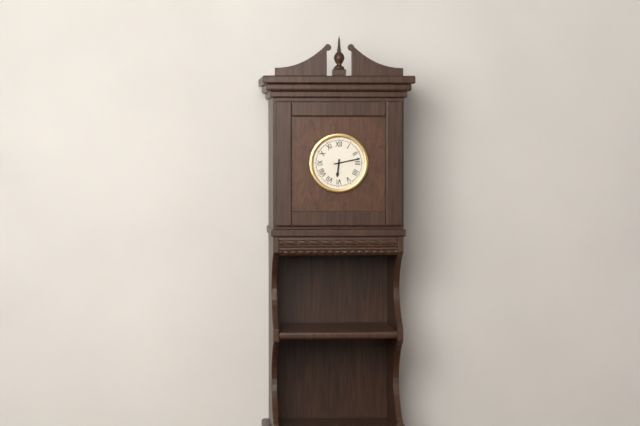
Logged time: 6:13
